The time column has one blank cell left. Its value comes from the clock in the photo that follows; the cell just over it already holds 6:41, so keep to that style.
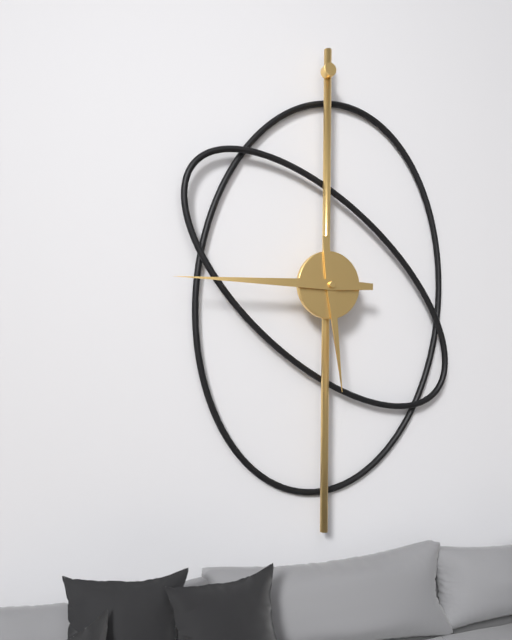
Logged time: 5:45
